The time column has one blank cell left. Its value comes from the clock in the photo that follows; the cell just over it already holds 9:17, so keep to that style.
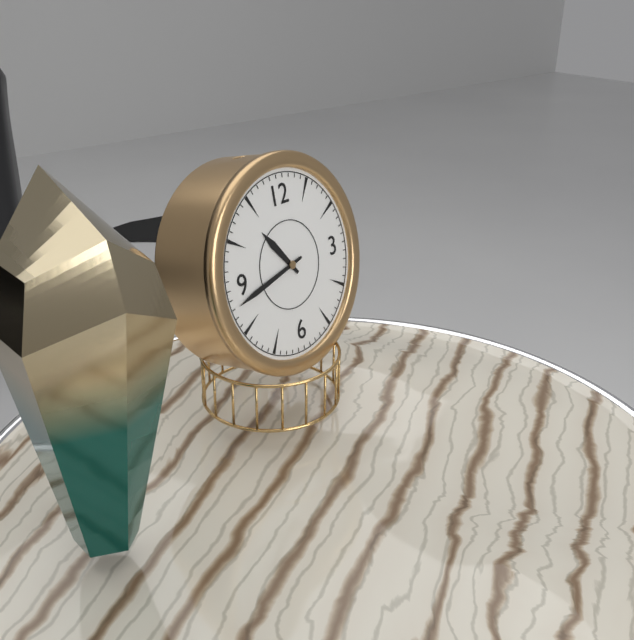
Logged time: 10:43
